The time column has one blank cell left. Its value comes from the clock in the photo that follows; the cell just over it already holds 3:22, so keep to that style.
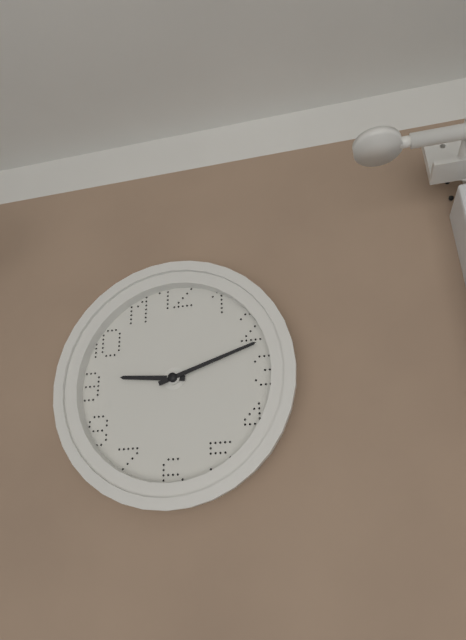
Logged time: 9:12
